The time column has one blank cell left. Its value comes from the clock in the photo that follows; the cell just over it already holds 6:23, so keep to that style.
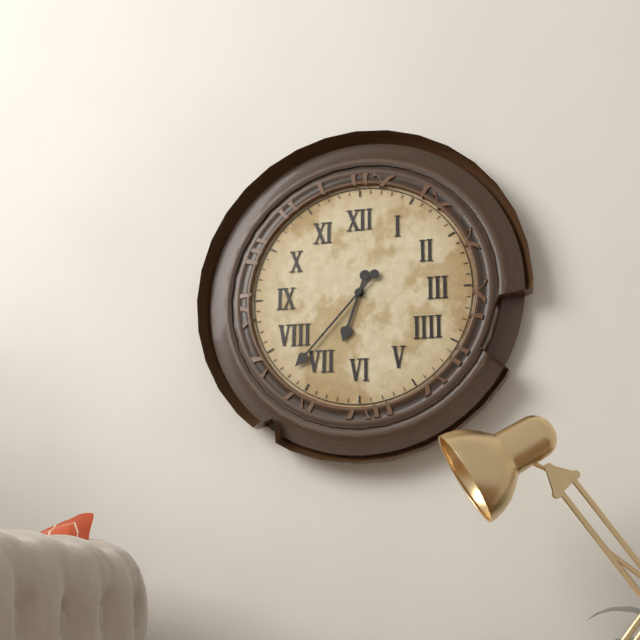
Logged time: 6:37
